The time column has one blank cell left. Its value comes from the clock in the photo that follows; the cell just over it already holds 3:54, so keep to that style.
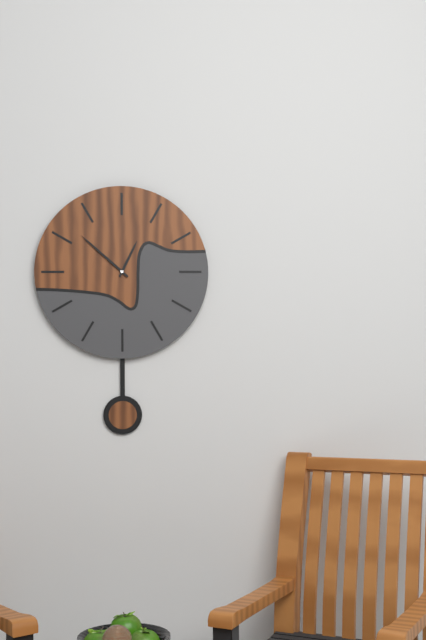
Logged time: 12:52
